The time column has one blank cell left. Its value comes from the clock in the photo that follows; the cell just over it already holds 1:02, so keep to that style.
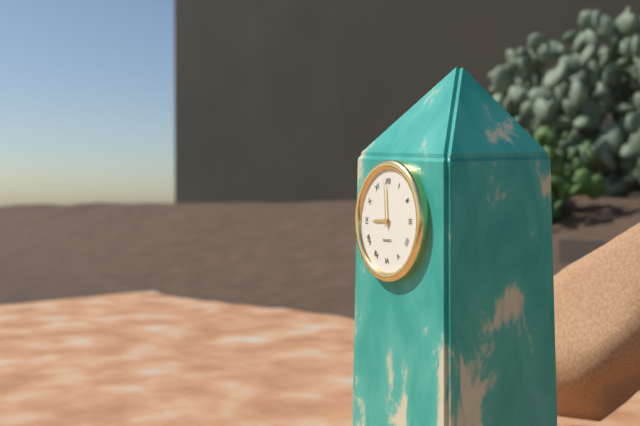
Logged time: 8:59
